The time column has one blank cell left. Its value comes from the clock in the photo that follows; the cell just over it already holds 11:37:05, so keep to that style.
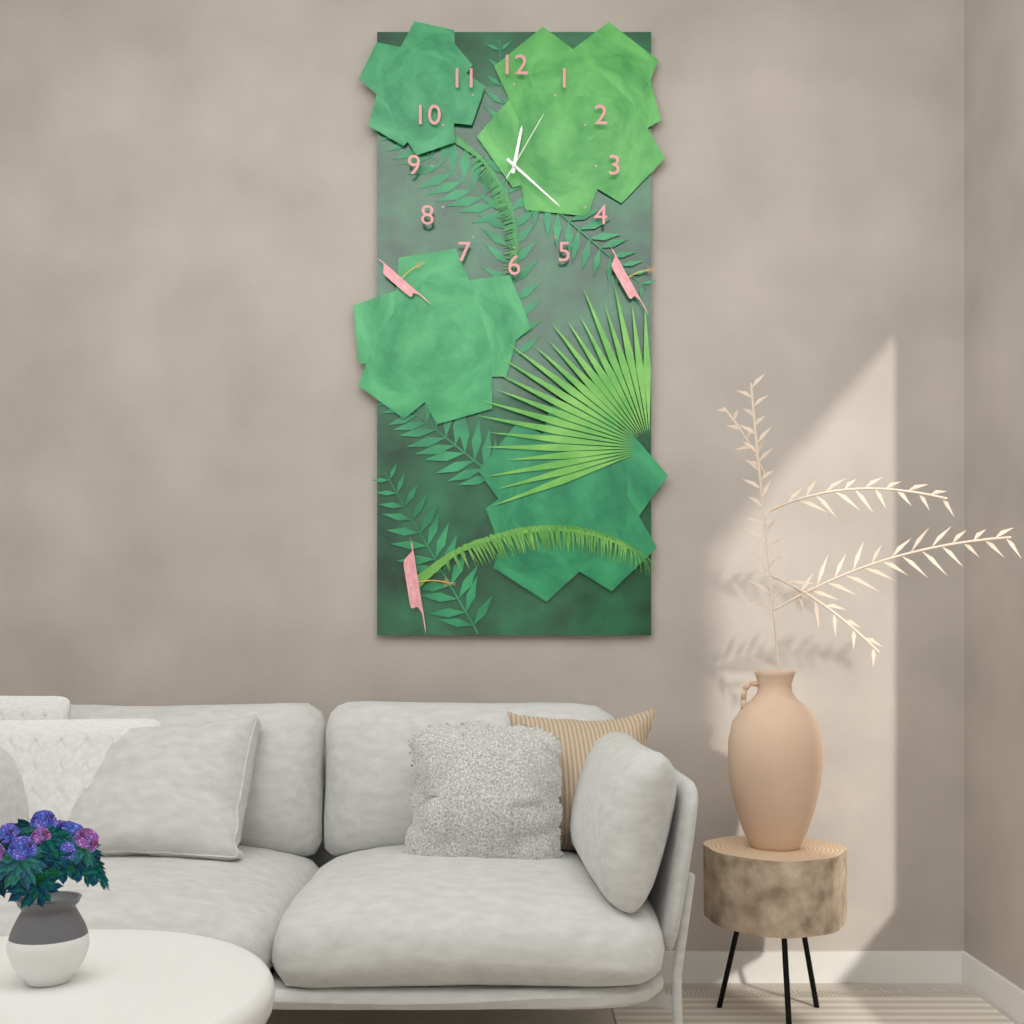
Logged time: 12:22:05
